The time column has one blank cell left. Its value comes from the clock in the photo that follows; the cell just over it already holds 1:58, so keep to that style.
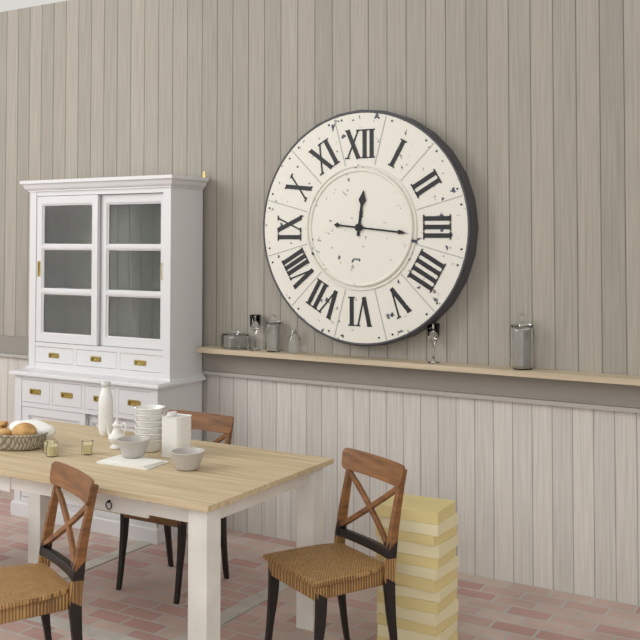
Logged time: 12:16
